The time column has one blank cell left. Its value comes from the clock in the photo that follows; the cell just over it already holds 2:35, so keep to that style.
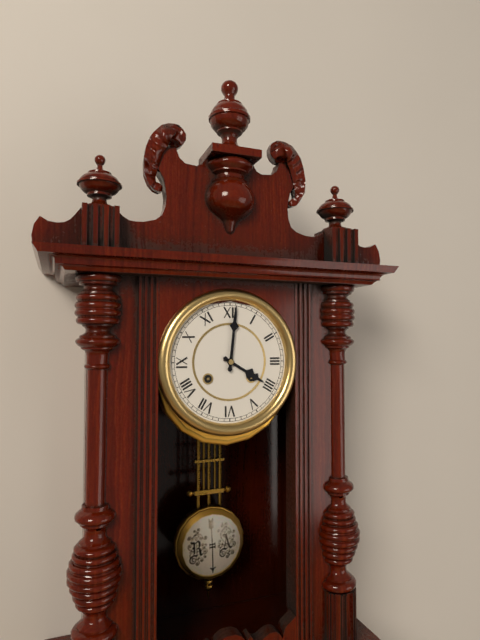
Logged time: 4:01
